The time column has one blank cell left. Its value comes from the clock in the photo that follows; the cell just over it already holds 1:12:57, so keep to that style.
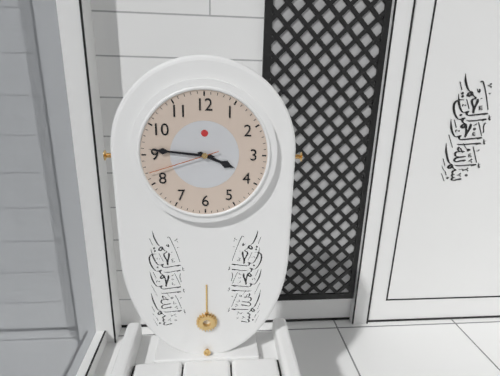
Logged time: 3:46:42
